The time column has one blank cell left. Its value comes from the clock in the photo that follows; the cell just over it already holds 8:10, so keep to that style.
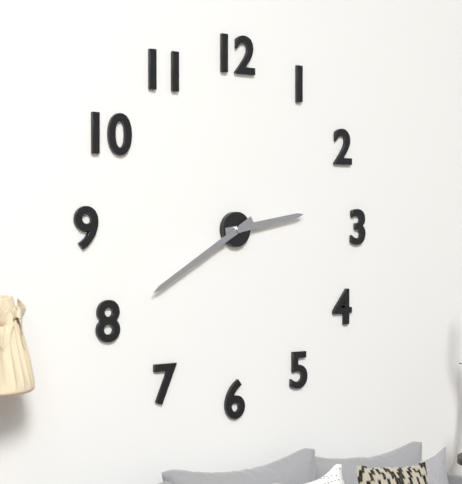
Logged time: 2:40
